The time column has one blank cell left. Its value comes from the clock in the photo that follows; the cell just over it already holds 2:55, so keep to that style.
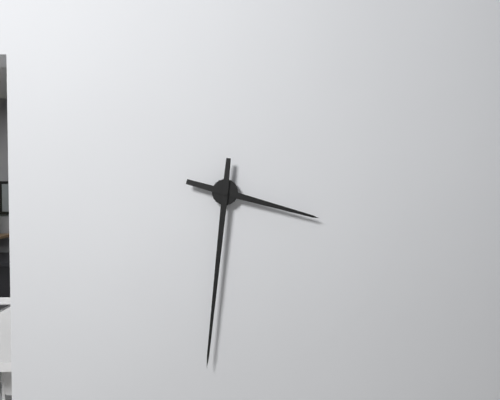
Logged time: 3:31
